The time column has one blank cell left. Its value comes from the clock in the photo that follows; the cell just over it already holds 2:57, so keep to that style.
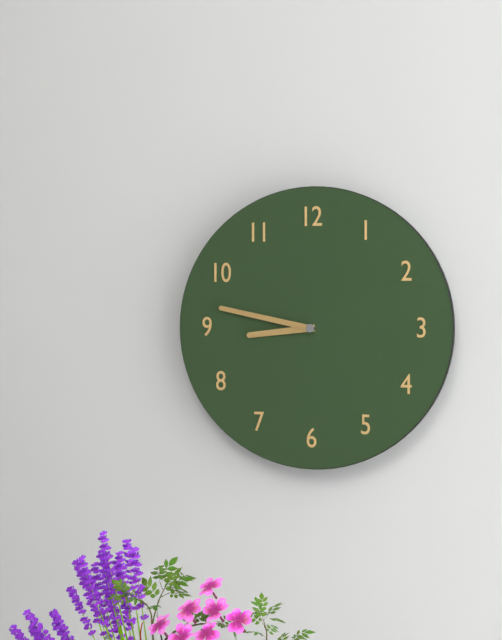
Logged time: 8:47
